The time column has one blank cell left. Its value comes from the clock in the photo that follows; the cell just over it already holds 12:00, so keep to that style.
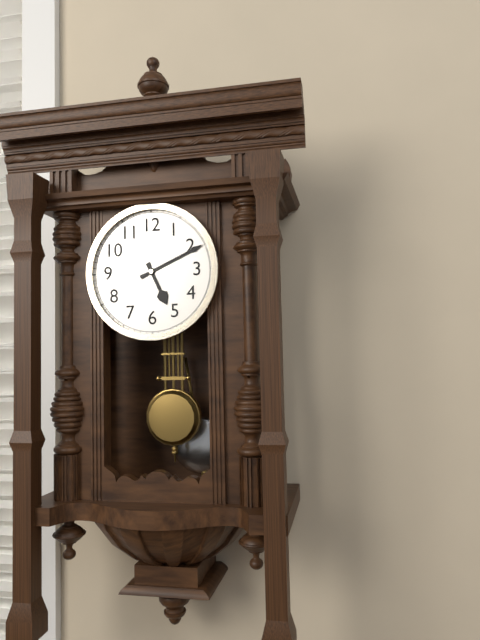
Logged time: 5:11
